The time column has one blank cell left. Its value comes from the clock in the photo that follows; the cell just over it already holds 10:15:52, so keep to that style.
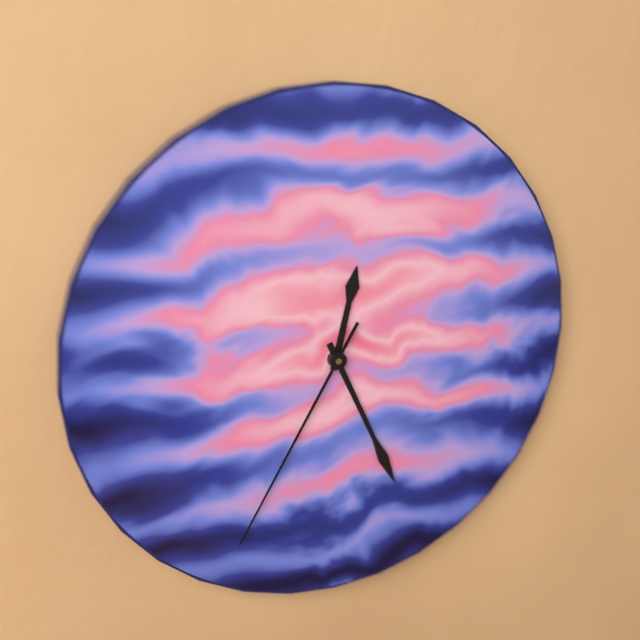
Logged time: 12:26:35
